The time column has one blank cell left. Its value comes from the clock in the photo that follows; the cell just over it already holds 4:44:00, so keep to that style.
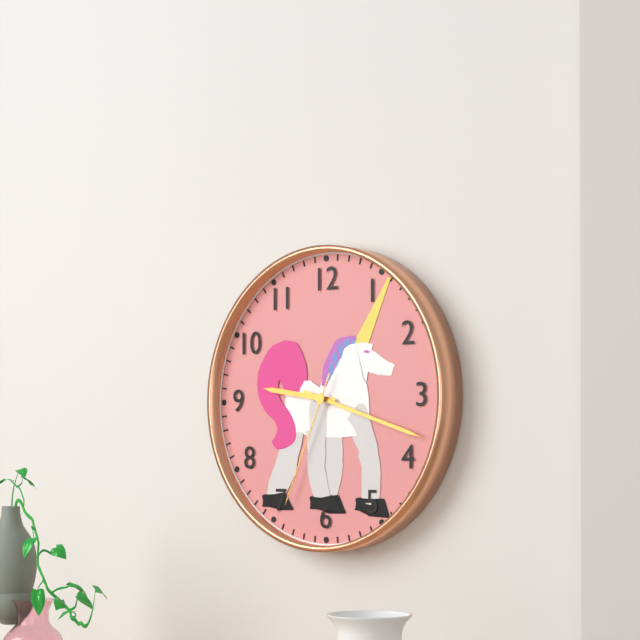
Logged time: 9:18:34
